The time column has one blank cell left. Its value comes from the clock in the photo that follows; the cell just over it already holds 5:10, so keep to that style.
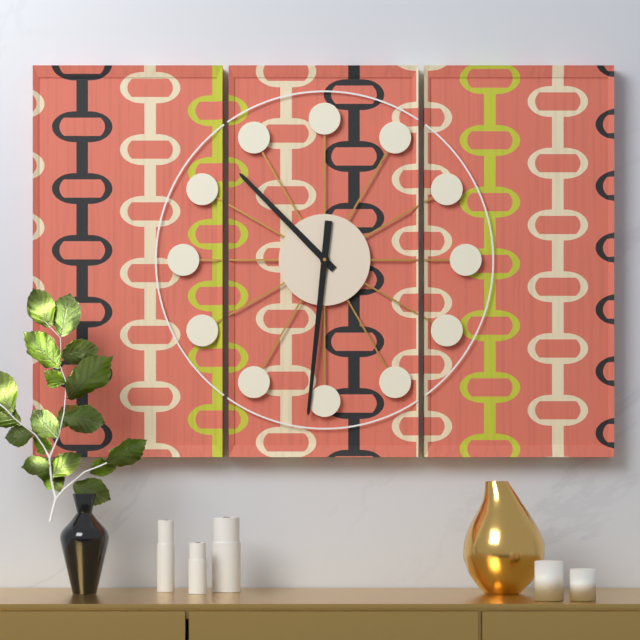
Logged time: 10:31
